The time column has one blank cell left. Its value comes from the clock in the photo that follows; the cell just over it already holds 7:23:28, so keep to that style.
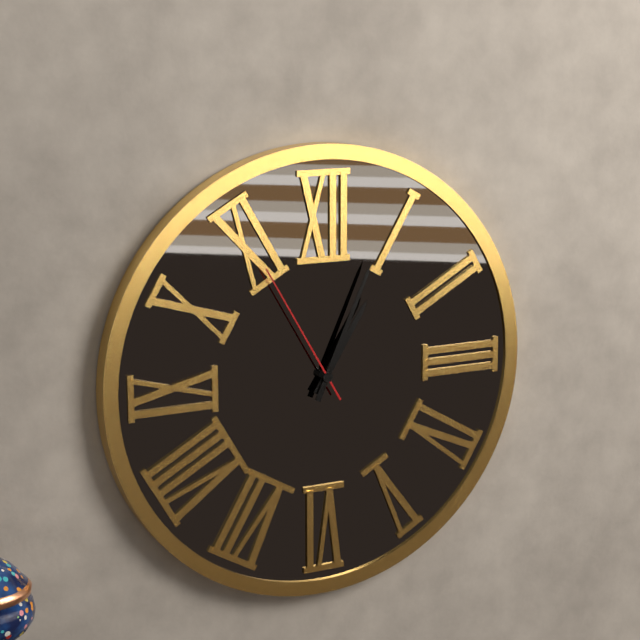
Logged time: 1:04:55
